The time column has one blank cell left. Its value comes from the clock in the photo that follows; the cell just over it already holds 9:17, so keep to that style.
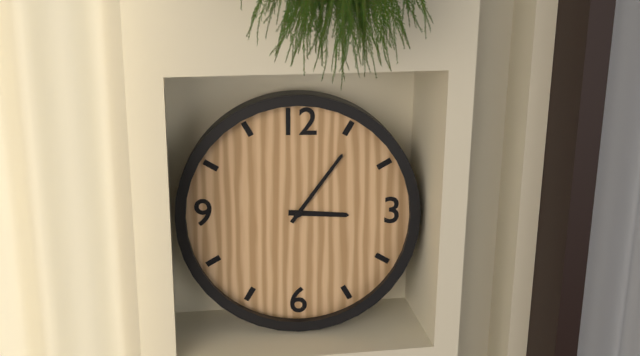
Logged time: 3:06
